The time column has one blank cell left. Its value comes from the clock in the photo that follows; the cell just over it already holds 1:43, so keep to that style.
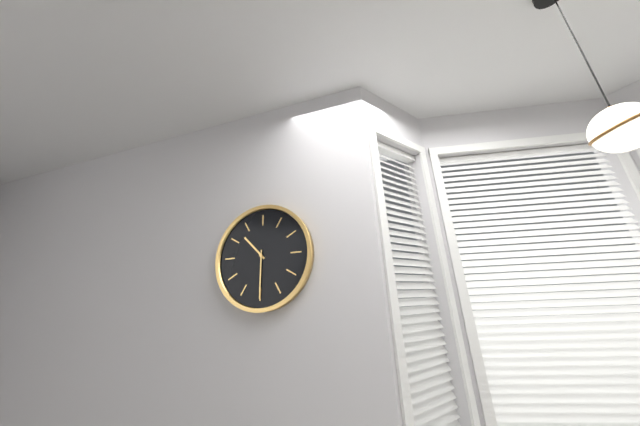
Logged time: 10:30
